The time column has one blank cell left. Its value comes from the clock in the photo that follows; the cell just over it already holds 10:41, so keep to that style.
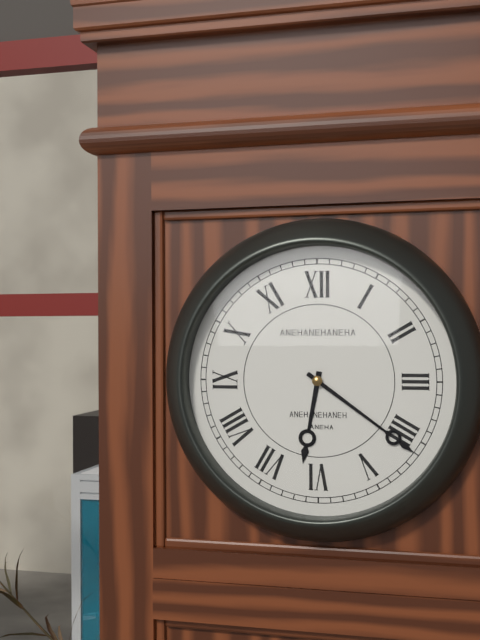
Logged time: 6:21
